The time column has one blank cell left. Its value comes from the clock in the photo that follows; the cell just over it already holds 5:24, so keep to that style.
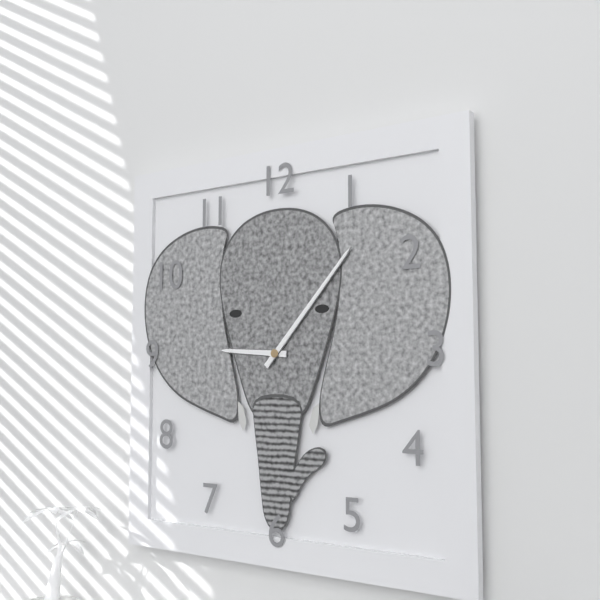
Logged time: 9:07
